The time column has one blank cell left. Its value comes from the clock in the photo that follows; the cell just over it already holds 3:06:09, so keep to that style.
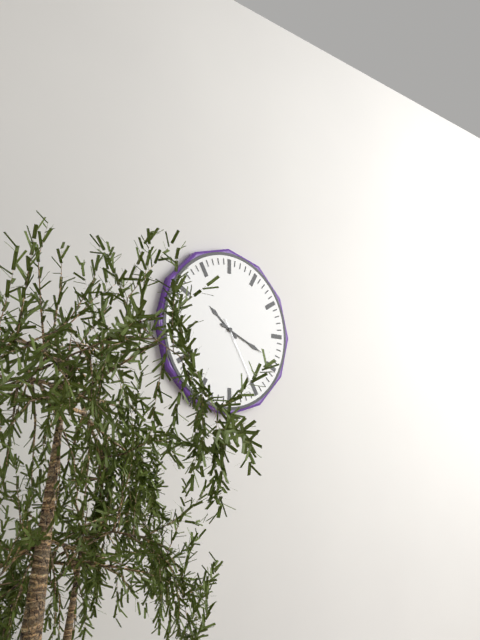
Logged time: 10:19:25
